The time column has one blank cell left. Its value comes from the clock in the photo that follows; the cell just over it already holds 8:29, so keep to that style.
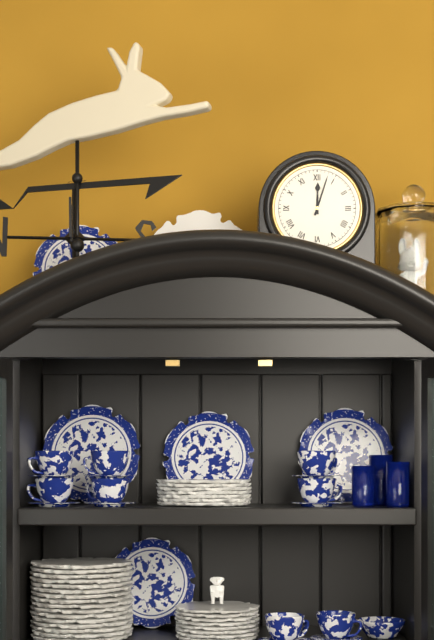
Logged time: 12:03
